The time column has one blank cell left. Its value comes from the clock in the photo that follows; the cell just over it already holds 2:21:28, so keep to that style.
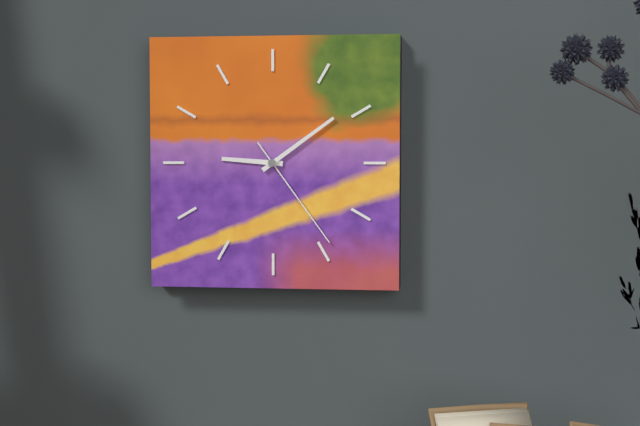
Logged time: 9:09:24
